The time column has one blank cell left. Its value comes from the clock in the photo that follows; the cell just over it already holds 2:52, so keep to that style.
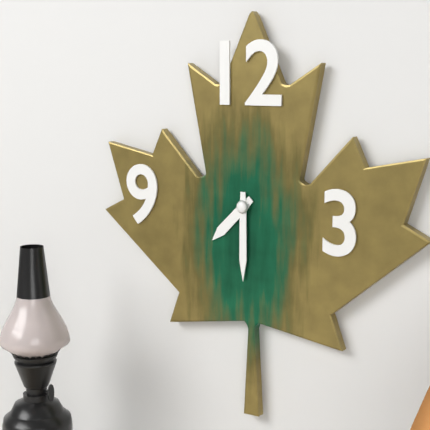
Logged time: 7:30
